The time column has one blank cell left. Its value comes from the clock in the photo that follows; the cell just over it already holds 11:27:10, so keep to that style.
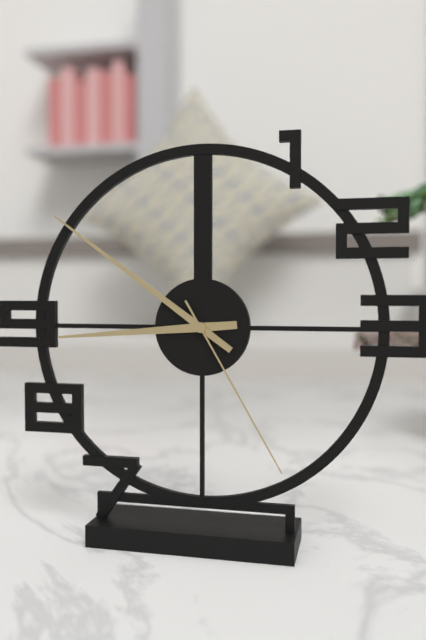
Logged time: 8:51:25
